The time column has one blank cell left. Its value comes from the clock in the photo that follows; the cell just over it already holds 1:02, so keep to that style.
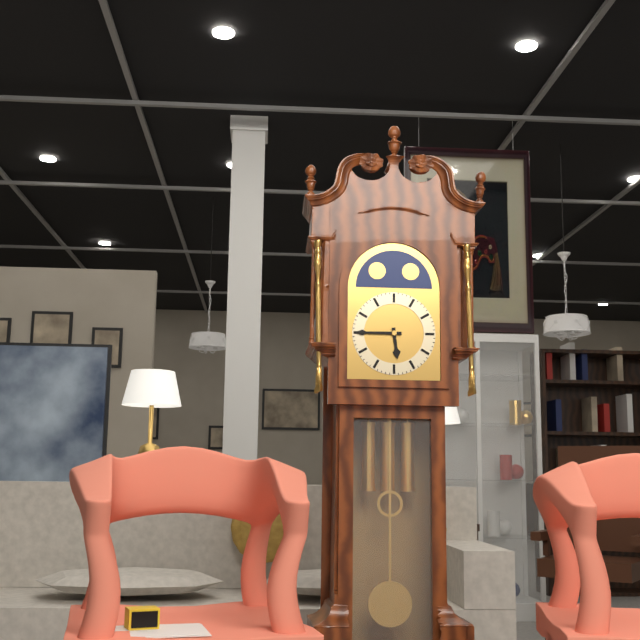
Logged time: 5:45
